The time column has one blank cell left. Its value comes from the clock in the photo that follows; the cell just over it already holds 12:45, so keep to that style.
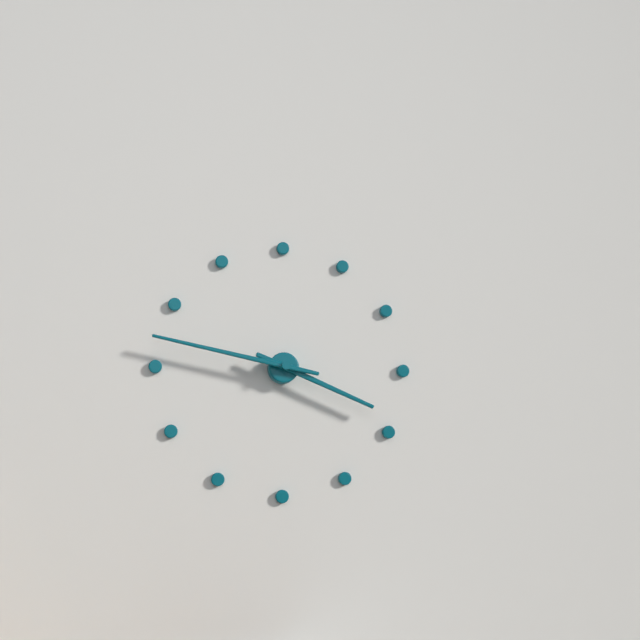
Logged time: 3:47
